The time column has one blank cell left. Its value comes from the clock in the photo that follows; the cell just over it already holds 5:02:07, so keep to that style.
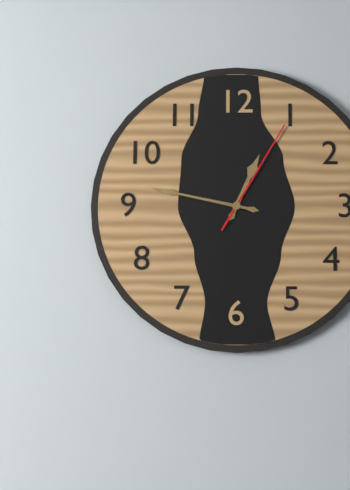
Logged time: 12:47:05
